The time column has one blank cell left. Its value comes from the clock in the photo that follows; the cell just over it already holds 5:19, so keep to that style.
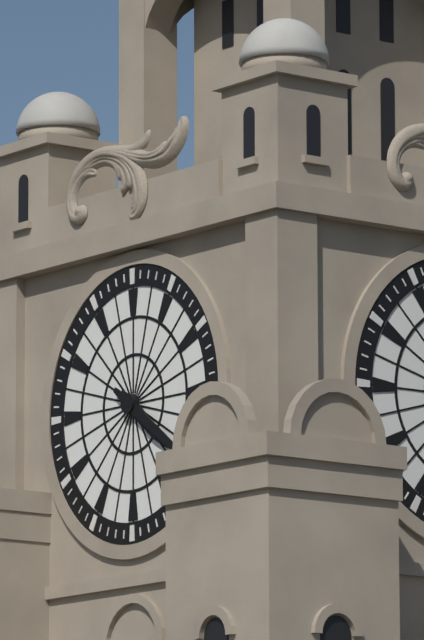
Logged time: 4:21
